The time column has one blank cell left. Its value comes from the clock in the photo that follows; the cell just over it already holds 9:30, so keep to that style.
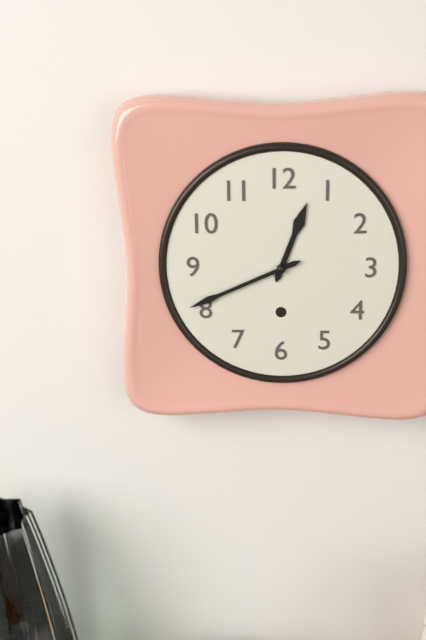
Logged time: 12:41
